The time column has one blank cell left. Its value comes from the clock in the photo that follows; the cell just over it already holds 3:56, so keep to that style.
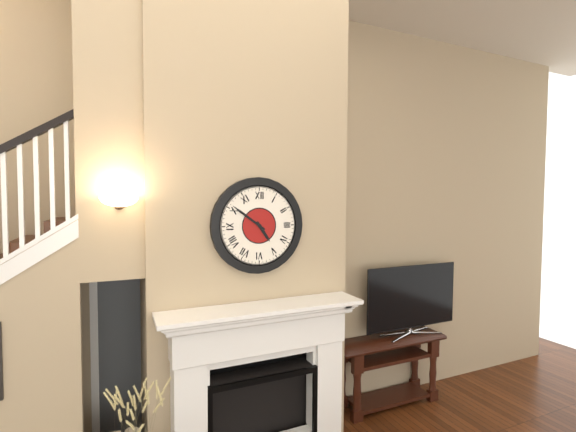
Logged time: 4:51
